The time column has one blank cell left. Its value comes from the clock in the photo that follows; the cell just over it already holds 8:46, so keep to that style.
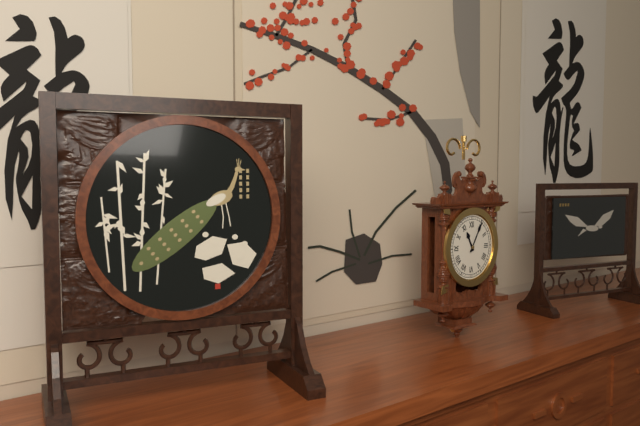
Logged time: 11:05
